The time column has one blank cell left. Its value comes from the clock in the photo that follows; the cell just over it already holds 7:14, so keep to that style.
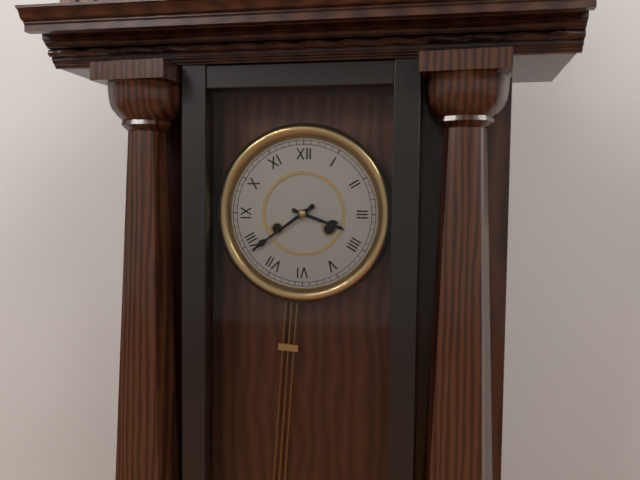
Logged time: 3:39
